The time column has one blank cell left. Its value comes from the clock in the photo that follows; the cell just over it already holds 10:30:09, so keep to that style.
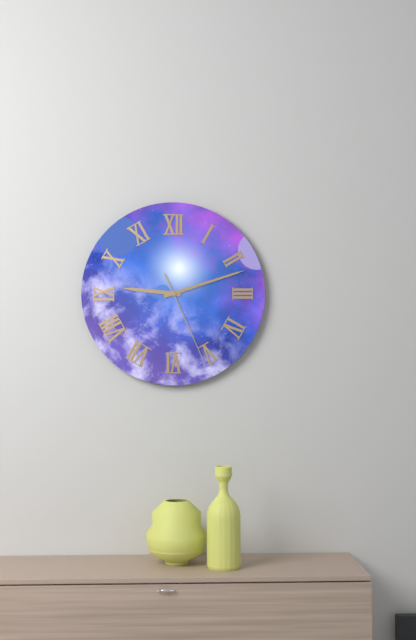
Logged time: 9:12:26
